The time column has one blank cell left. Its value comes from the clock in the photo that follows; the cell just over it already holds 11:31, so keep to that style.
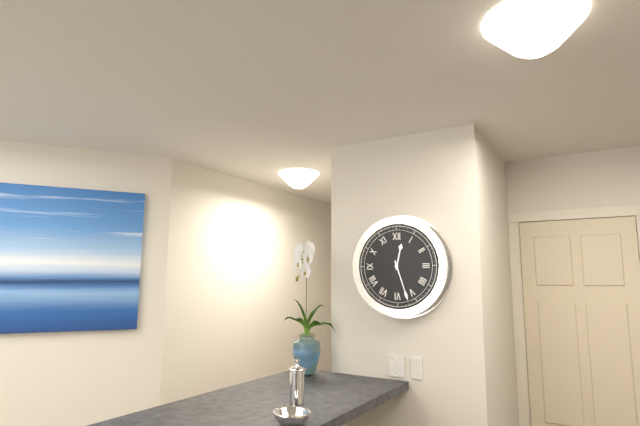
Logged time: 12:27
